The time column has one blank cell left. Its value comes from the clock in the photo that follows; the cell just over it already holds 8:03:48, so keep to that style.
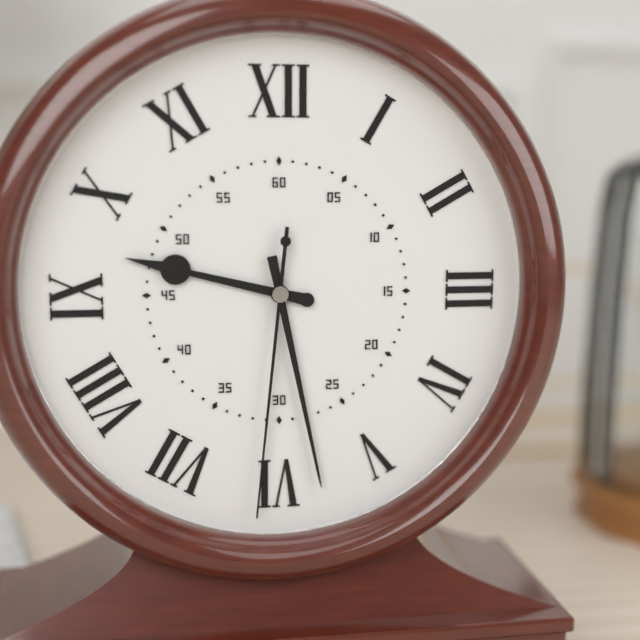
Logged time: 9:28:31
